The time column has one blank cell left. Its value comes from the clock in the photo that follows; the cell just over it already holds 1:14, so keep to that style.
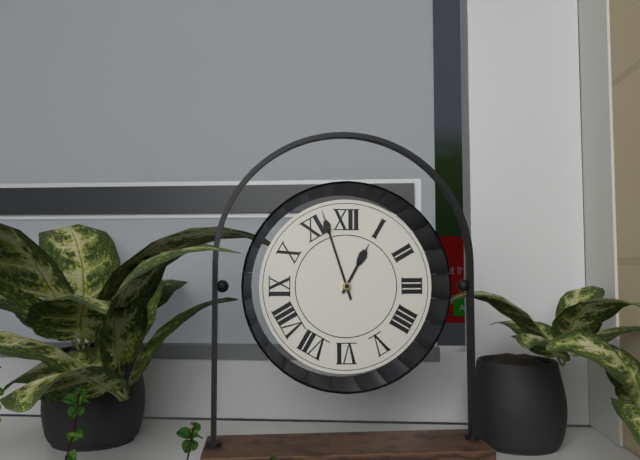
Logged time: 12:57
